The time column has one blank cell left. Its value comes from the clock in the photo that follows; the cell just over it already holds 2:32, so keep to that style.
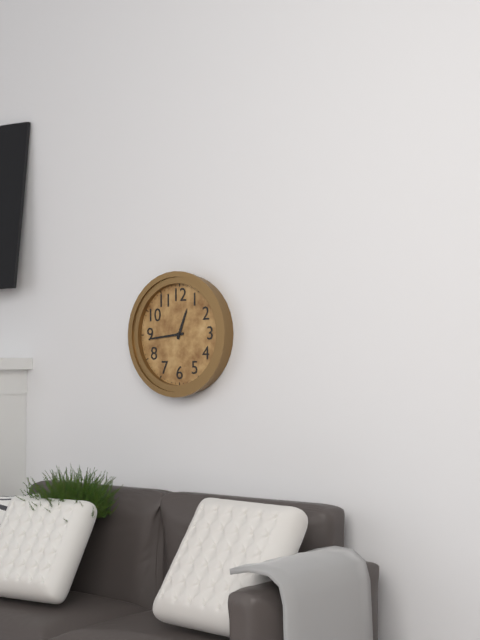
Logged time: 12:44
